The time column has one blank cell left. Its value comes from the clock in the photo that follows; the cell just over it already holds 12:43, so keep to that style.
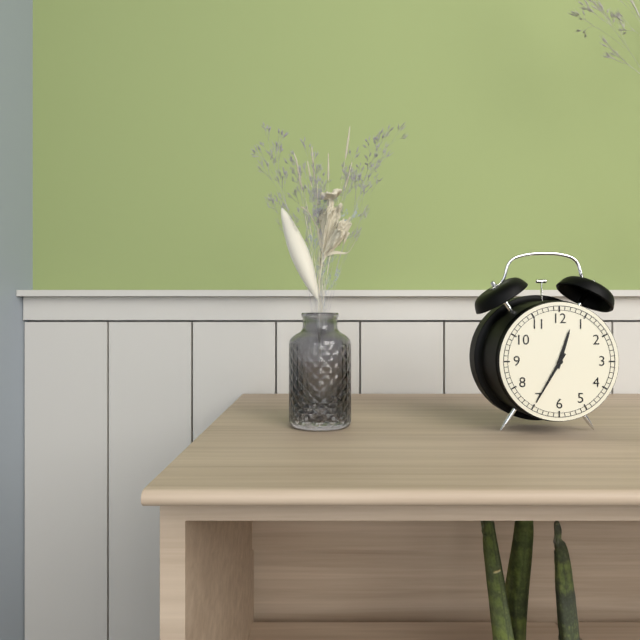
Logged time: 12:35
